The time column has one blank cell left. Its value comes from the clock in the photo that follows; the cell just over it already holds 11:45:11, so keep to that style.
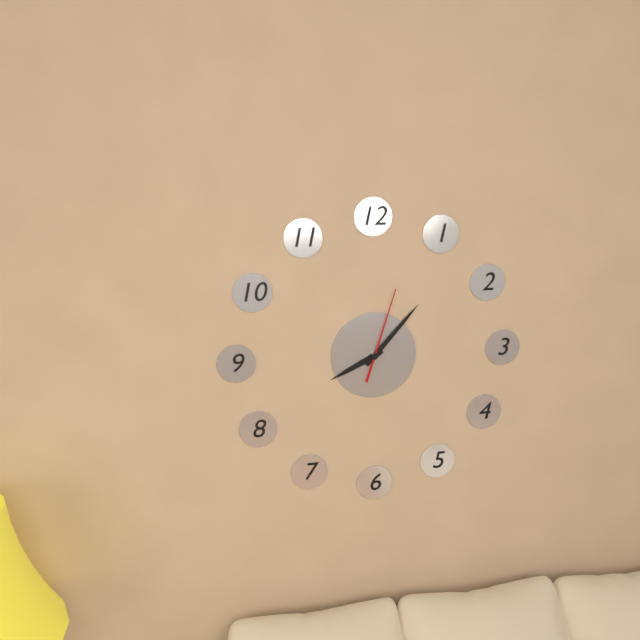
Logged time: 8:07:03
